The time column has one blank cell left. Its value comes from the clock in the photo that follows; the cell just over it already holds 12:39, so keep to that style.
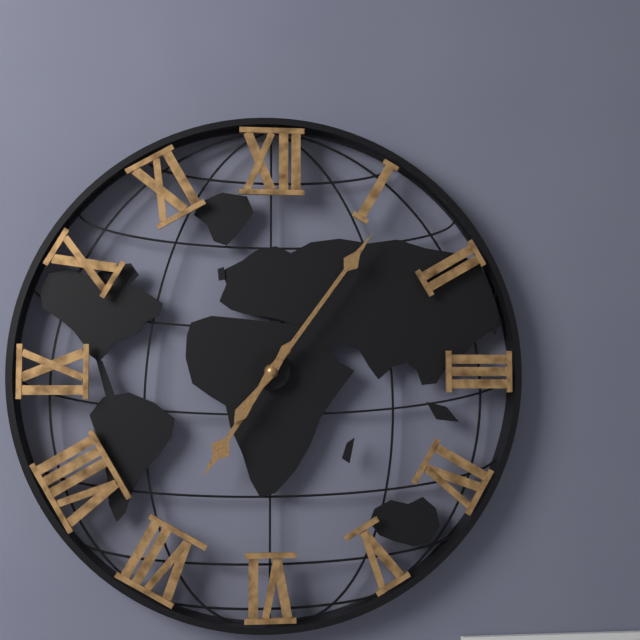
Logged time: 7:06
